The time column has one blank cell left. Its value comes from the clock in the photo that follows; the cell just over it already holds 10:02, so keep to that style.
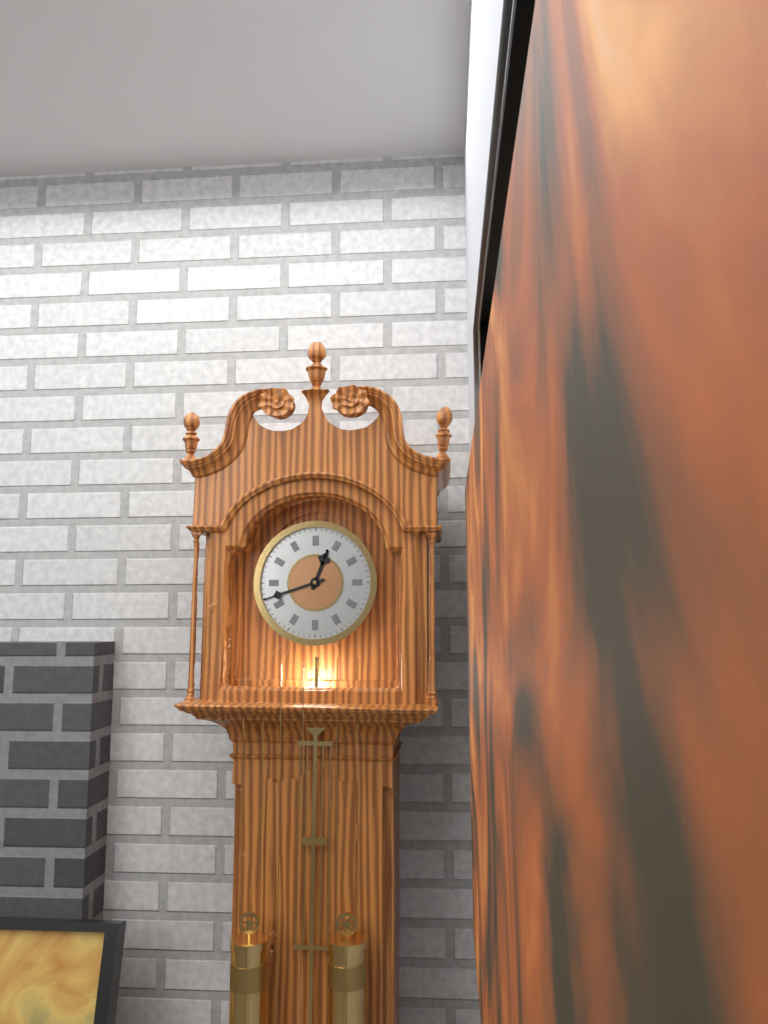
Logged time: 12:42
